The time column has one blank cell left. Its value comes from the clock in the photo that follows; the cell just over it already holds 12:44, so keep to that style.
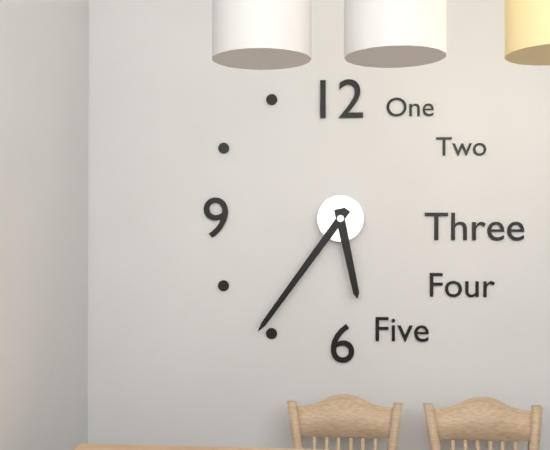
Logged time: 5:36
